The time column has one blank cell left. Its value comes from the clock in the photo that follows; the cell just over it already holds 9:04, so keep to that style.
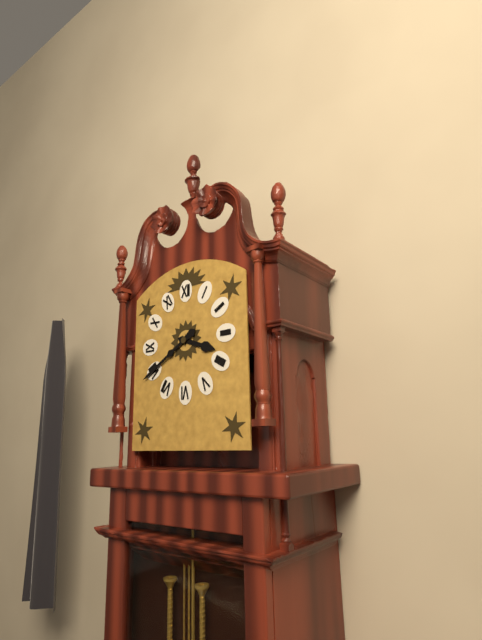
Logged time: 3:40
